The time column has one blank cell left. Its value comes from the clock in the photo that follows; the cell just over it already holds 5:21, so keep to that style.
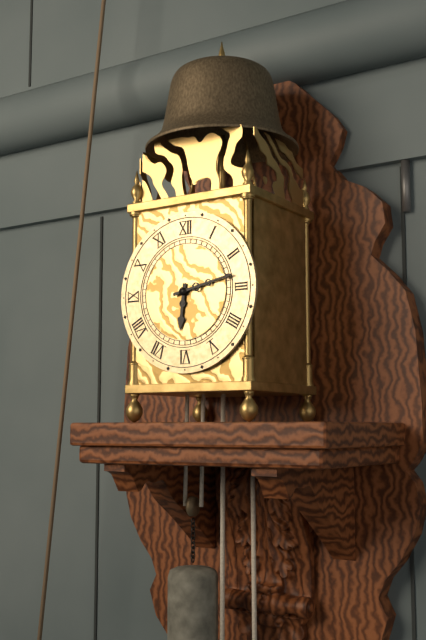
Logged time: 6:13
